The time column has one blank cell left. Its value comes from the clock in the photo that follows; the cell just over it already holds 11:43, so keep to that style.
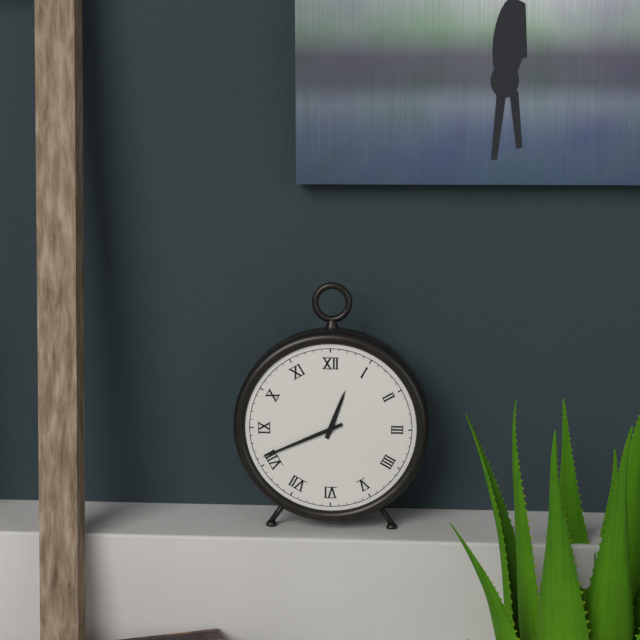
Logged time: 12:41
